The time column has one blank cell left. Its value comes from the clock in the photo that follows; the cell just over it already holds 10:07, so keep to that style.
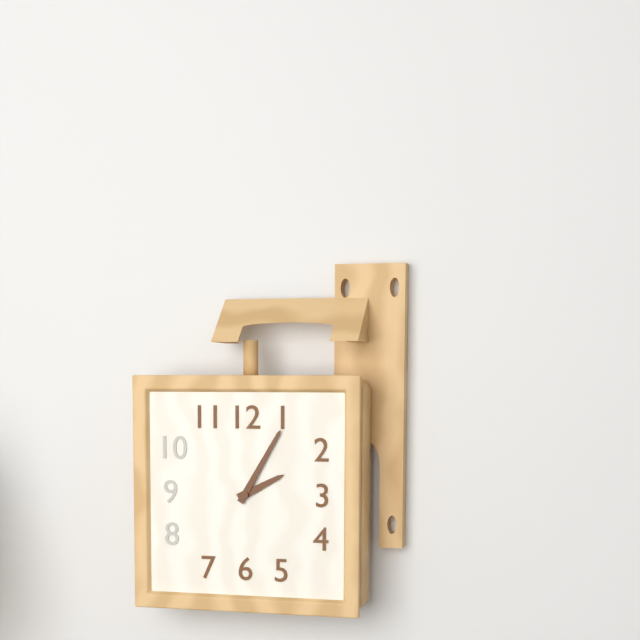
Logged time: 2:05
